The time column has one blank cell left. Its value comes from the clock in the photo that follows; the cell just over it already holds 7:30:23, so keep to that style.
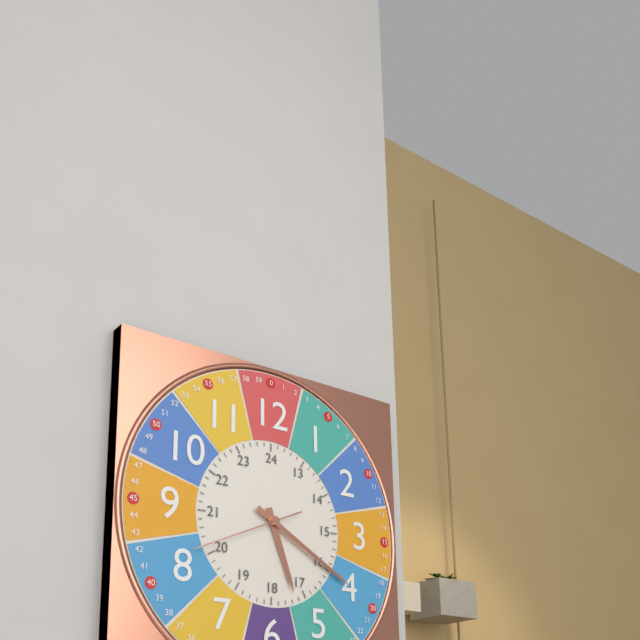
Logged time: 5:20:41
